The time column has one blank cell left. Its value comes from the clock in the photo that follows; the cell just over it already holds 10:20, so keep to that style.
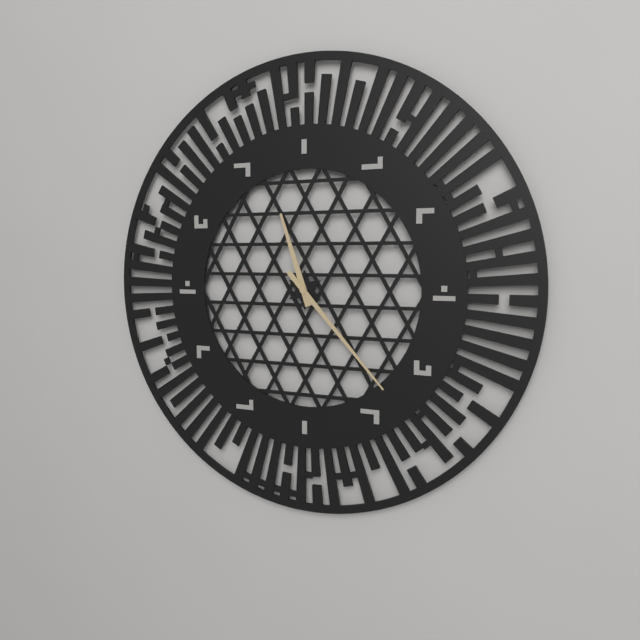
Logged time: 11:23
